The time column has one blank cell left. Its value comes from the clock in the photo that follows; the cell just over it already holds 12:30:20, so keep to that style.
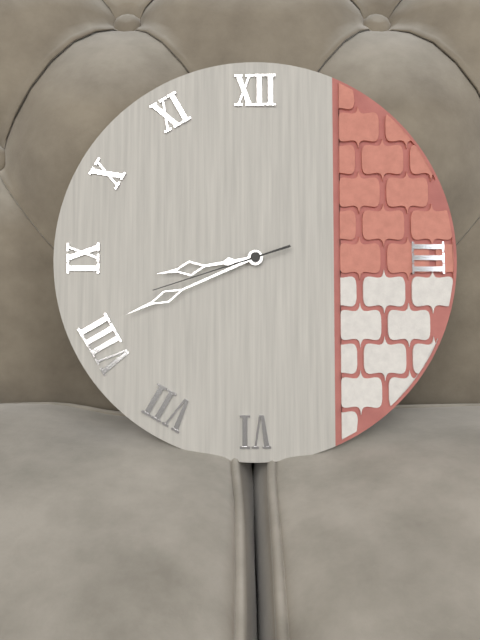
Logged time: 8:41:42
